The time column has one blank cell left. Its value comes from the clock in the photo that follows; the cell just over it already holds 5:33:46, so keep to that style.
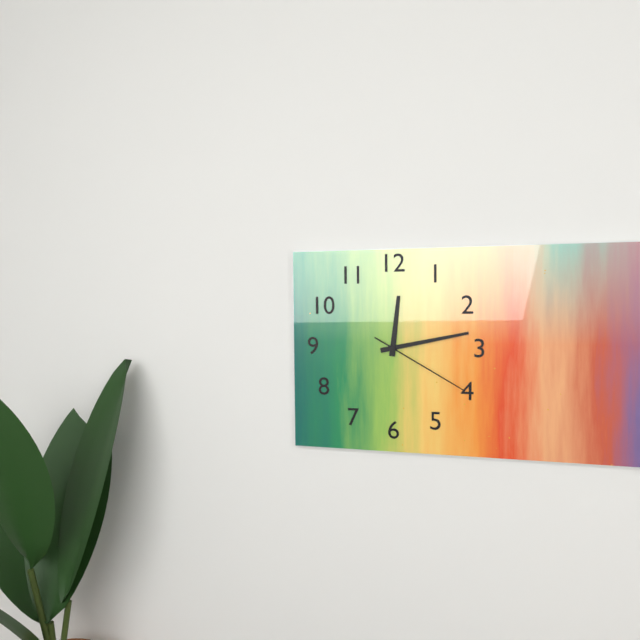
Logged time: 12:13:20
